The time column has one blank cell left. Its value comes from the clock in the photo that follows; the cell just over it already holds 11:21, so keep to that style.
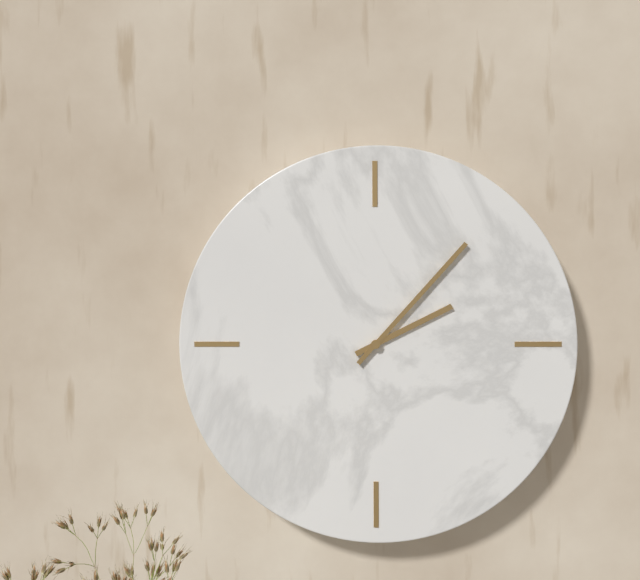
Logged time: 2:07
